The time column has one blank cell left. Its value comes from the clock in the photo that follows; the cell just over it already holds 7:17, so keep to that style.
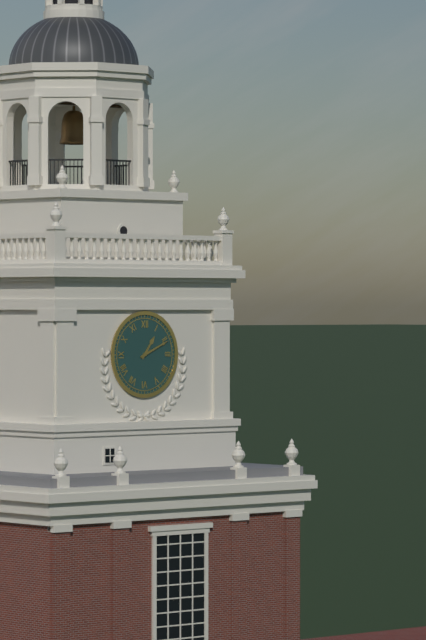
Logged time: 1:11
